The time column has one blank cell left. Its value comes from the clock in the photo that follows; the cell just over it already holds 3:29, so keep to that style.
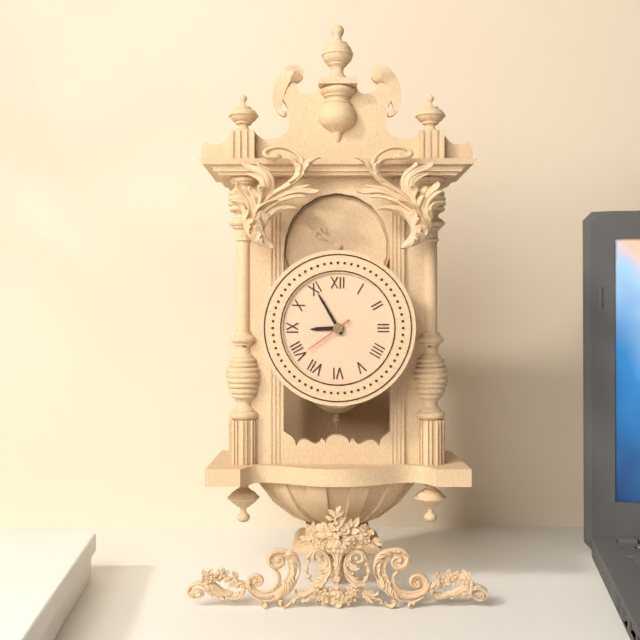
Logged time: 8:55
